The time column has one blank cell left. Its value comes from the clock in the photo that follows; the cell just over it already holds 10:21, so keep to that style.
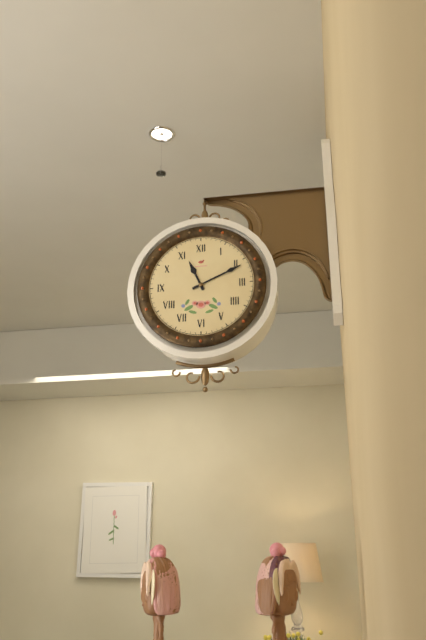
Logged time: 11:11
